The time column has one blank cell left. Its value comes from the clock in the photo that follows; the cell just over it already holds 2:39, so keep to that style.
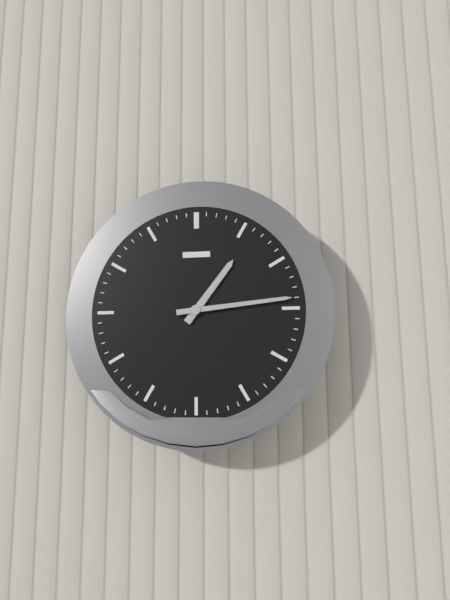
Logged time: 1:14
